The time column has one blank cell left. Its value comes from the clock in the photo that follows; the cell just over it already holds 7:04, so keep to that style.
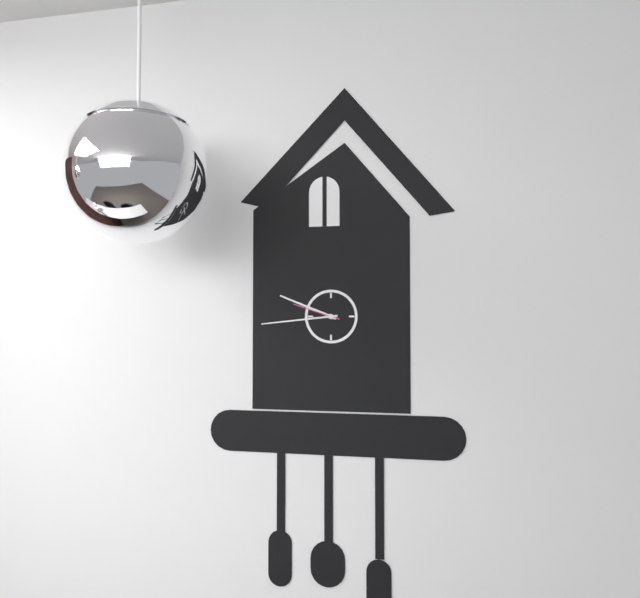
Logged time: 9:44
